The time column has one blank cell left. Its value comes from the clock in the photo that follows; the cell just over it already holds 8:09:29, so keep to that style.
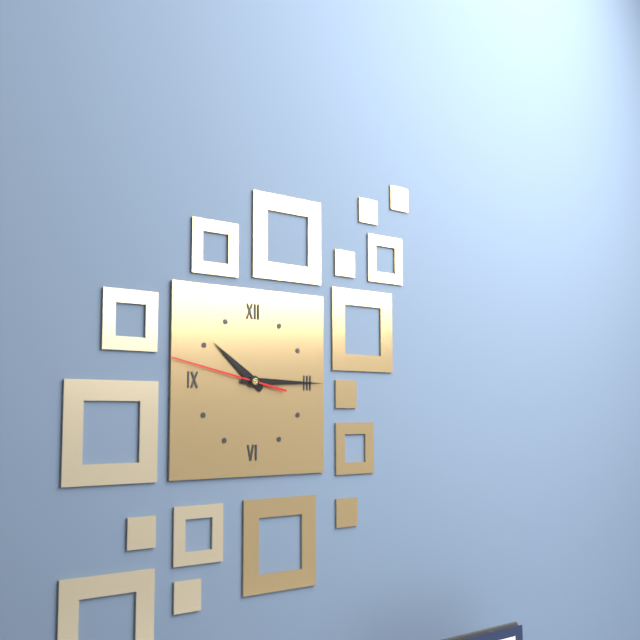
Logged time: 10:15:47
